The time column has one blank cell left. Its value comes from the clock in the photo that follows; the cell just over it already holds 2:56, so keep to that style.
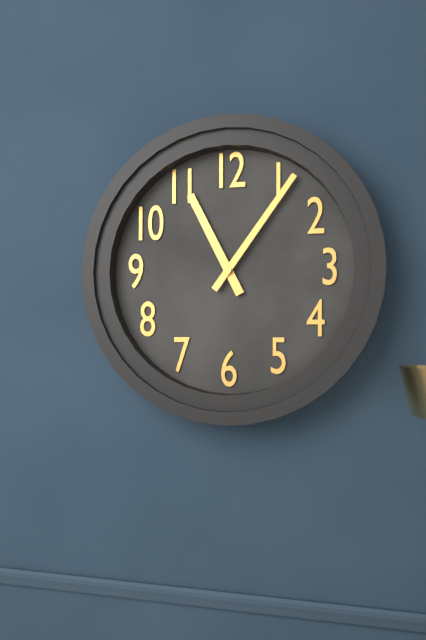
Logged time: 11:06
